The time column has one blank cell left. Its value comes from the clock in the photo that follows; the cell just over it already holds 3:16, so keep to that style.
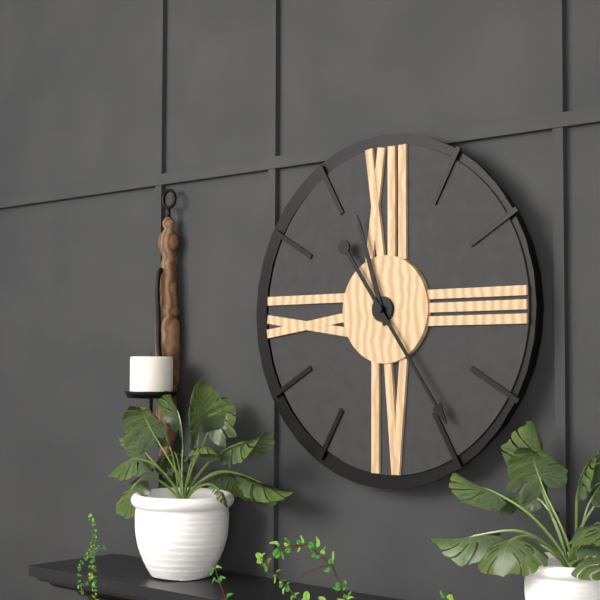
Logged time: 11:24
